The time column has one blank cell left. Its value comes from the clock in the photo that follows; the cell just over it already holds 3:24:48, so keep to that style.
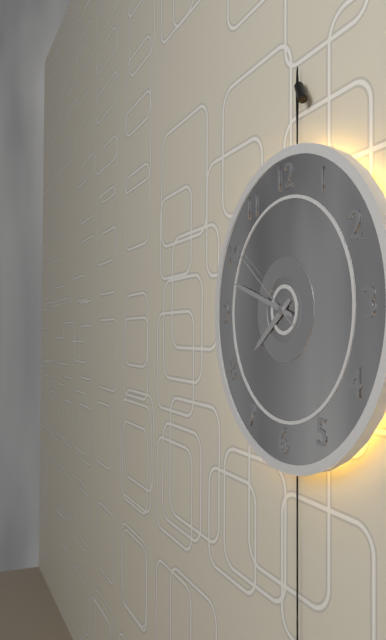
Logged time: 7:48:51
